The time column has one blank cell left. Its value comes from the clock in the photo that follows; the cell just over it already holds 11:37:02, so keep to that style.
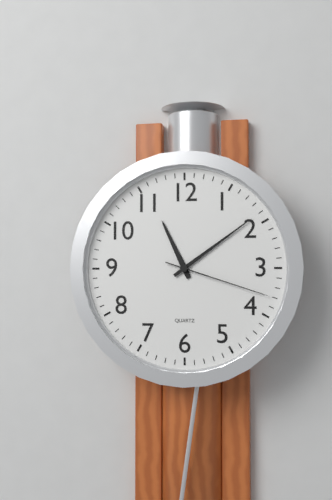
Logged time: 11:09:18
